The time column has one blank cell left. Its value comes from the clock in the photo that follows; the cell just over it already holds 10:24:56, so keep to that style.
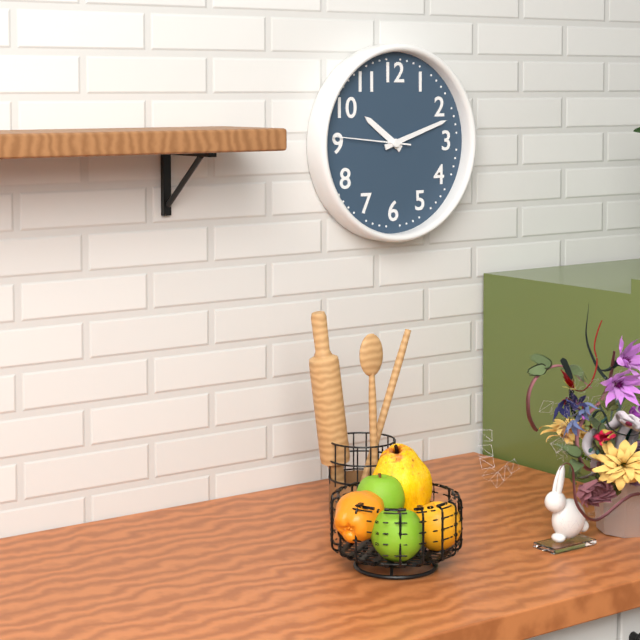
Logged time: 10:12:46
